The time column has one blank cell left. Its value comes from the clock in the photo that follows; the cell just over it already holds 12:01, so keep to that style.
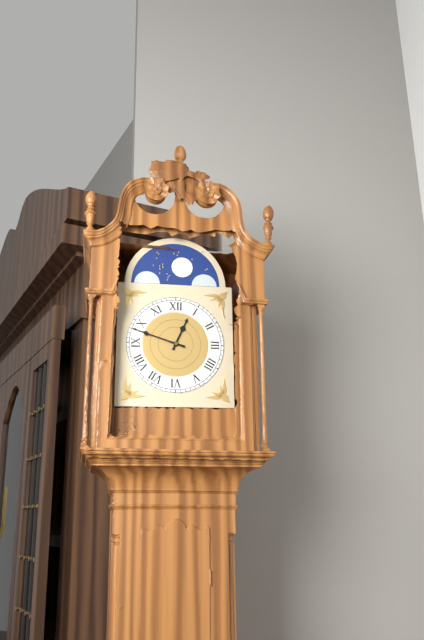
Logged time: 12:48
